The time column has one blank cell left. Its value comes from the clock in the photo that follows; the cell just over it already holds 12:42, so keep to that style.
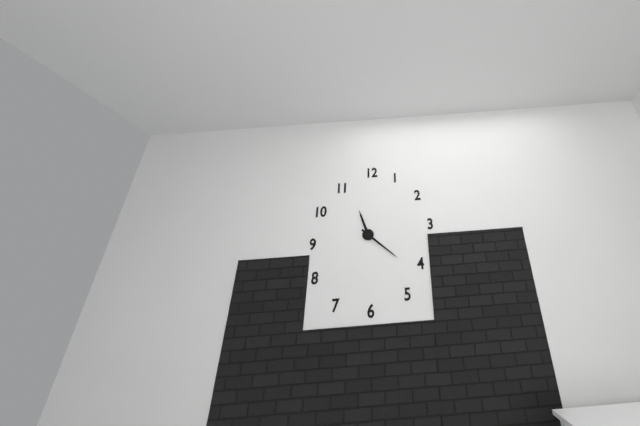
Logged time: 11:22
